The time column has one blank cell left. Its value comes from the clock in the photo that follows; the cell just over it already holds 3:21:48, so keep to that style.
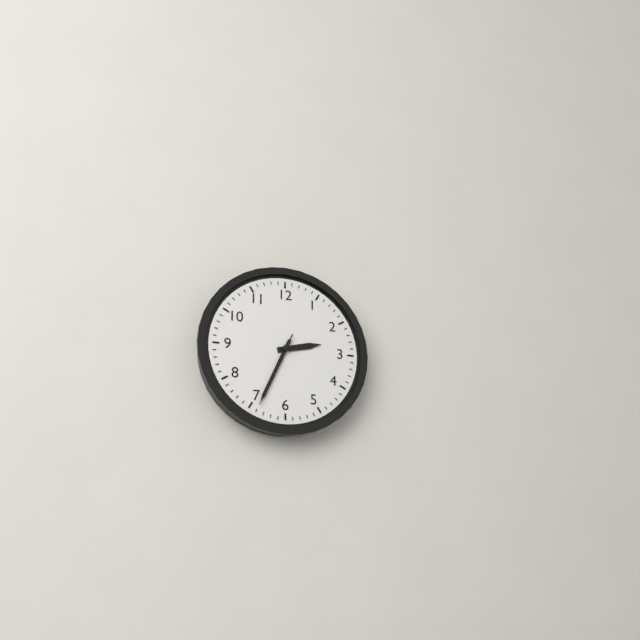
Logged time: 2:34:34
